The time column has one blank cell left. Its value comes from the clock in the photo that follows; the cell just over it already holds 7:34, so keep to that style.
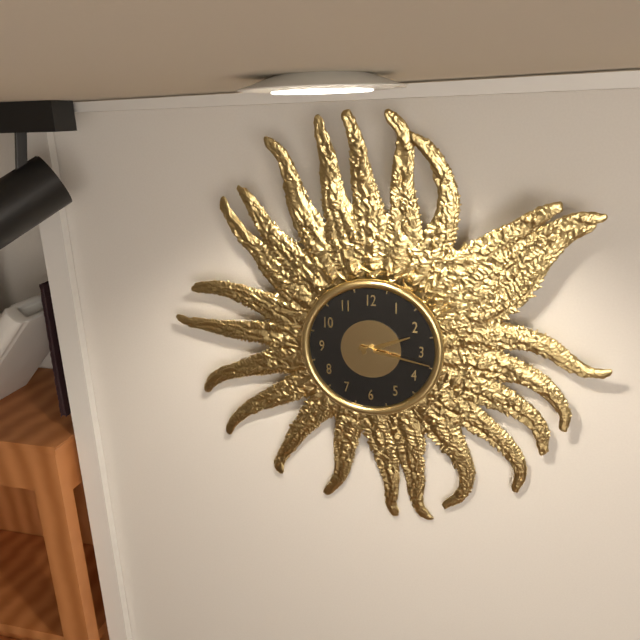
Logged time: 2:17
